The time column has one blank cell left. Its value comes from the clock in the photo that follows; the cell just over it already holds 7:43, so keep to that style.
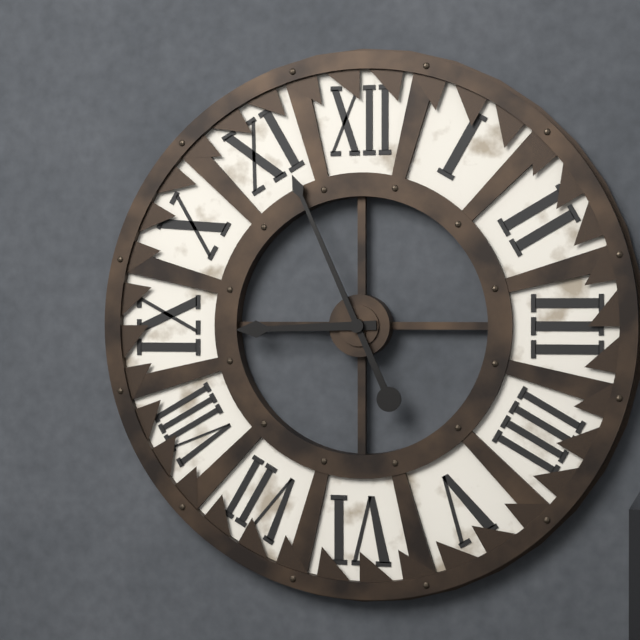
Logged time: 8:56
